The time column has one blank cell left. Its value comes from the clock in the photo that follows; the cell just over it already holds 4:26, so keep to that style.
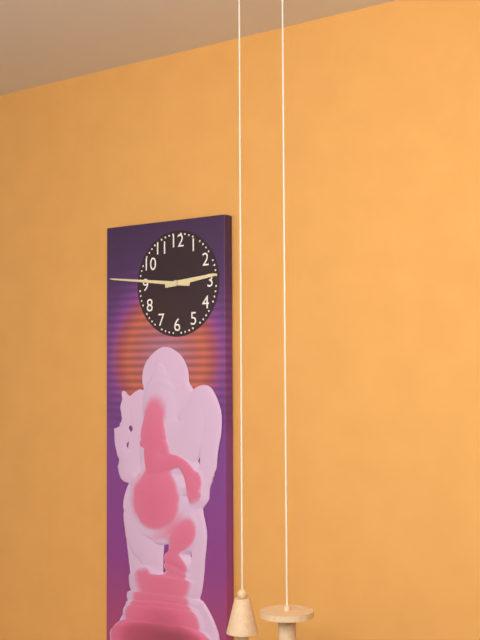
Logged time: 2:46
